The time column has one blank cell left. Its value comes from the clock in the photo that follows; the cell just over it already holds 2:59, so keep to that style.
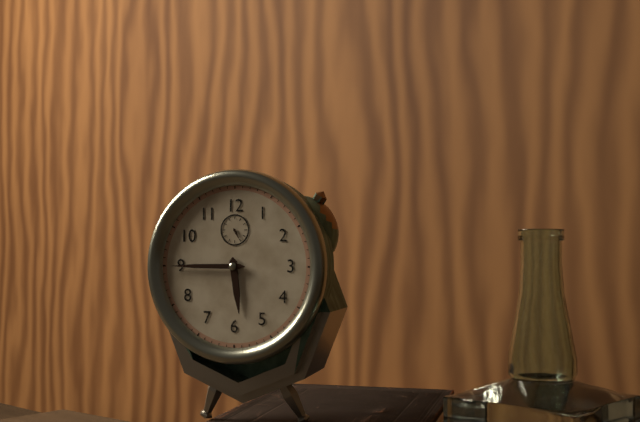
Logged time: 5:45
